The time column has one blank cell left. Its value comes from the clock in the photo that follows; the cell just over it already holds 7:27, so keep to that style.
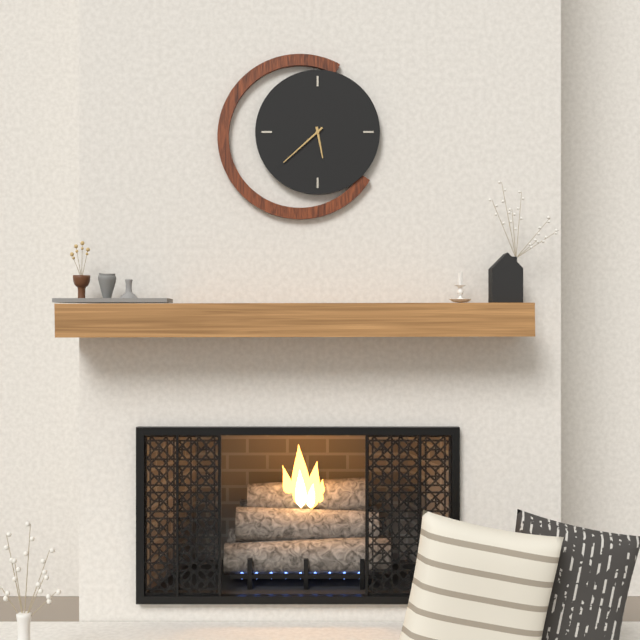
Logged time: 5:38
